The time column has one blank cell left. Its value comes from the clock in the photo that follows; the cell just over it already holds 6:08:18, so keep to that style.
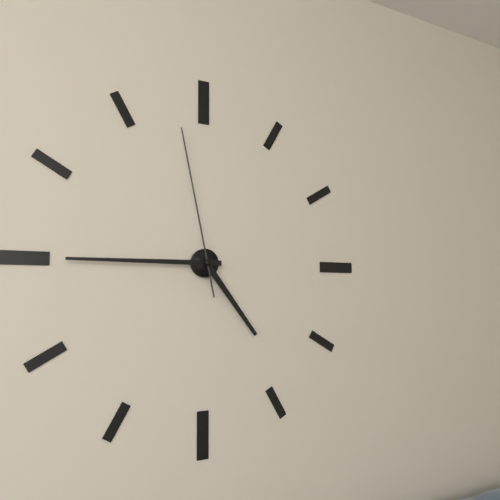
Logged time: 4:45:58
